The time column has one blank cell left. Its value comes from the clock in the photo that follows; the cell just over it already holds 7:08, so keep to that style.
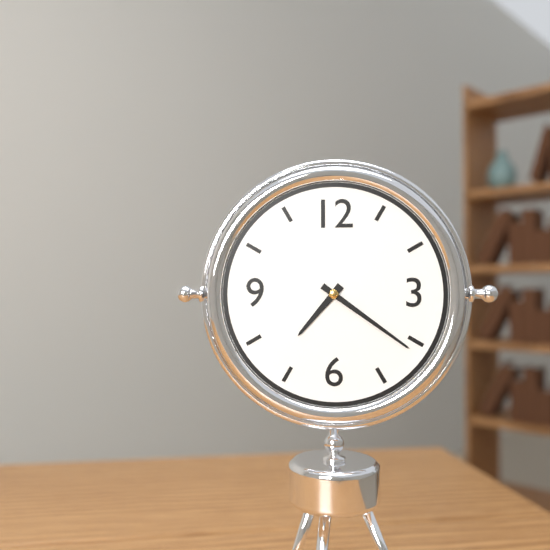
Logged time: 7:21
